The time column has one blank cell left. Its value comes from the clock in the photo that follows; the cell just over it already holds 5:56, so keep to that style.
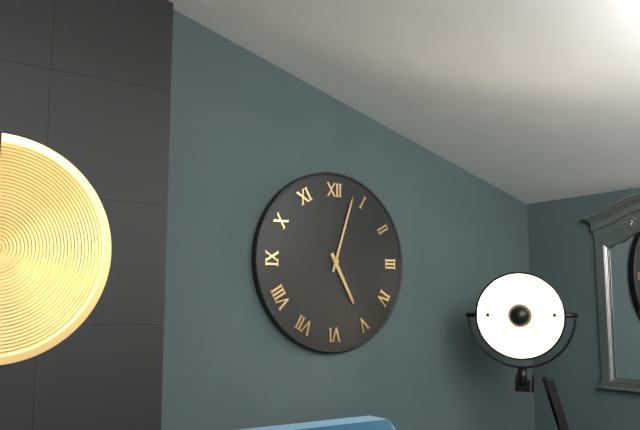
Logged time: 5:03
